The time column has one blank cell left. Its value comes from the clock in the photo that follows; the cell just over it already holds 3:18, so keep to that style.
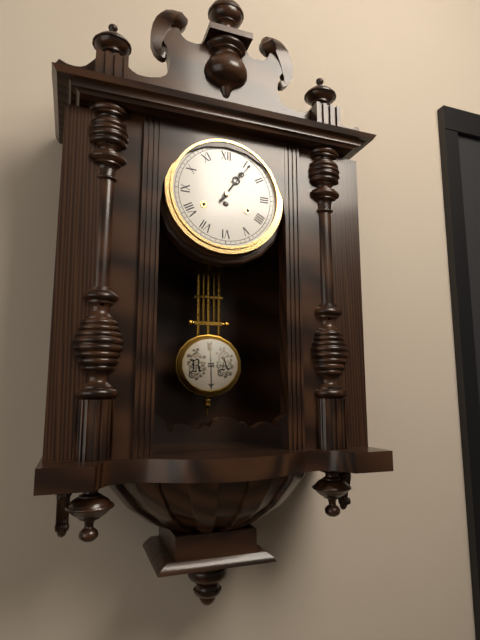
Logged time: 1:06
